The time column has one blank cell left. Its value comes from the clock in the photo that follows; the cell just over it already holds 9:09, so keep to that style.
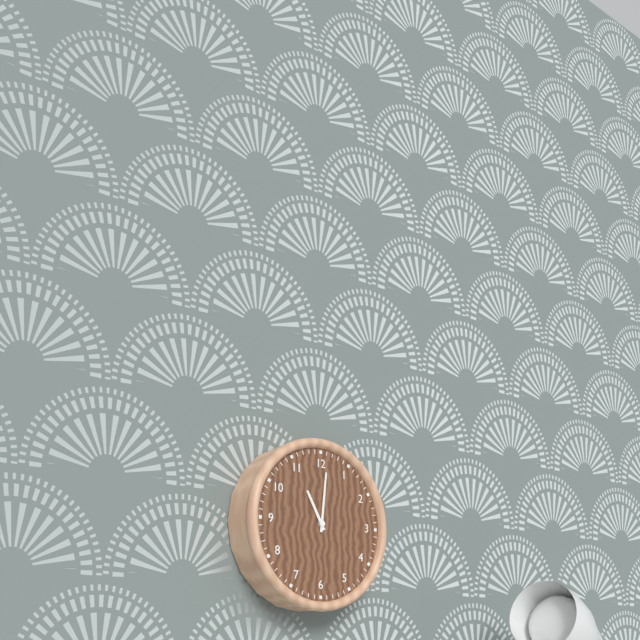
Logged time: 11:01
